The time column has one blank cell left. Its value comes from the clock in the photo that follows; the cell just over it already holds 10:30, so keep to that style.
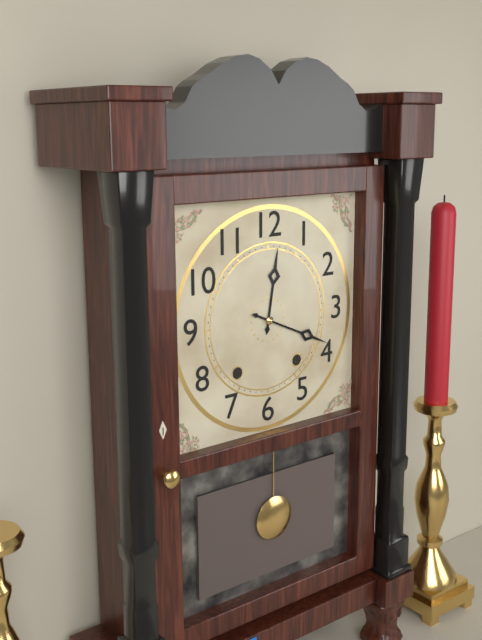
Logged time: 12:19
